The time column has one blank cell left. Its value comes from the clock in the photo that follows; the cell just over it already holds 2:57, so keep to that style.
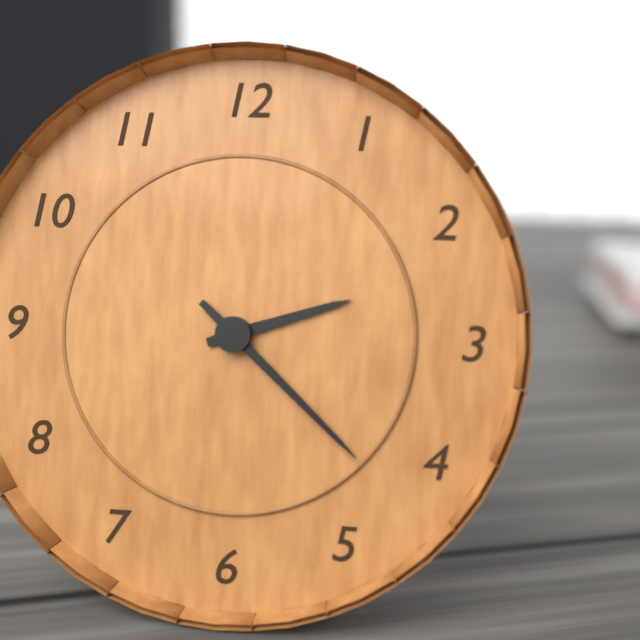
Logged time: 2:22
